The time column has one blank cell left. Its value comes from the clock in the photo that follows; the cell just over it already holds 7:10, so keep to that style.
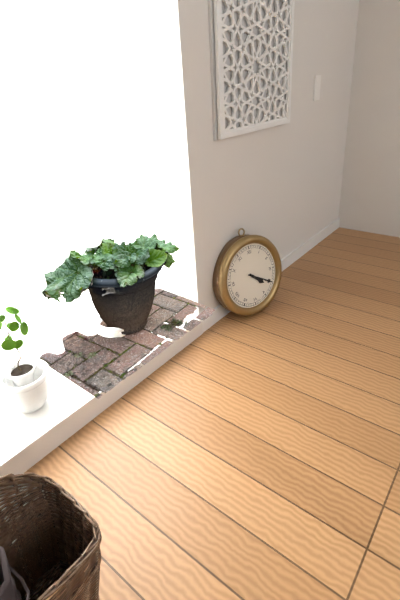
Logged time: 4:20
